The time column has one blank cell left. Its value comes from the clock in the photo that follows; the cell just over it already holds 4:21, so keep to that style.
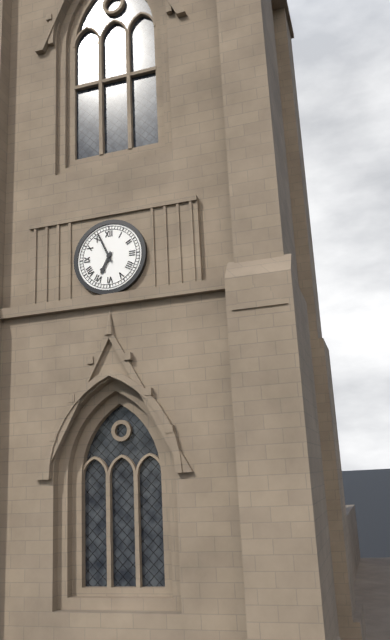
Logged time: 6:56
